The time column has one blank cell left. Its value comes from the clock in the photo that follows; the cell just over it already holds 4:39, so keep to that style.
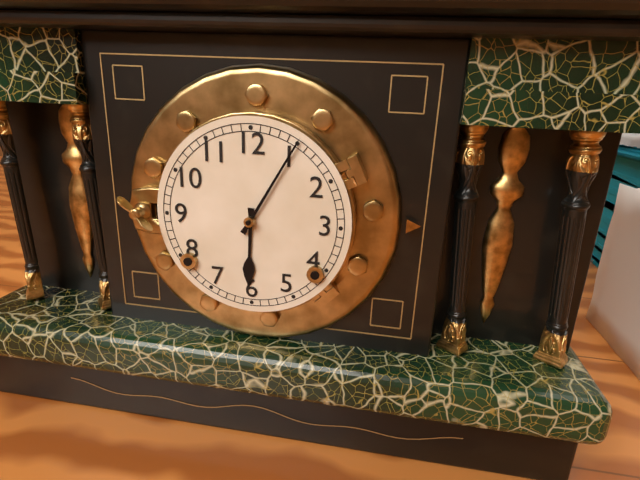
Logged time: 6:05
